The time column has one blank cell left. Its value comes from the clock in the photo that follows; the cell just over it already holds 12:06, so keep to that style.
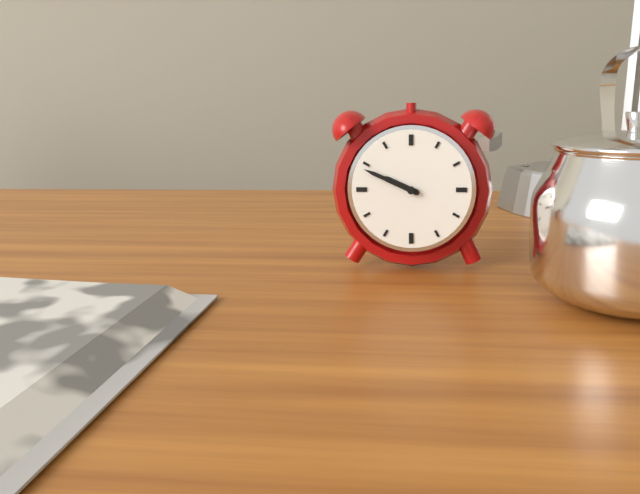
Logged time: 9:49
